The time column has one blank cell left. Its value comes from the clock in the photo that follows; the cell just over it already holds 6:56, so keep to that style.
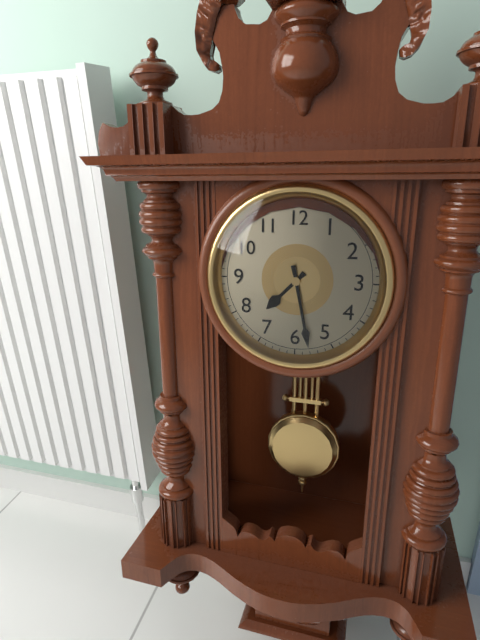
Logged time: 7:28
